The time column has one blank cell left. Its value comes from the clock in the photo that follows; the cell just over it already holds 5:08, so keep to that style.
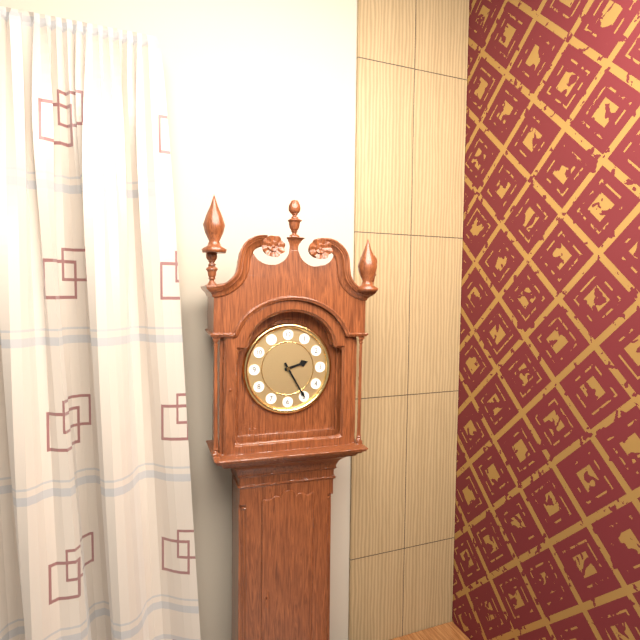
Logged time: 2:25
